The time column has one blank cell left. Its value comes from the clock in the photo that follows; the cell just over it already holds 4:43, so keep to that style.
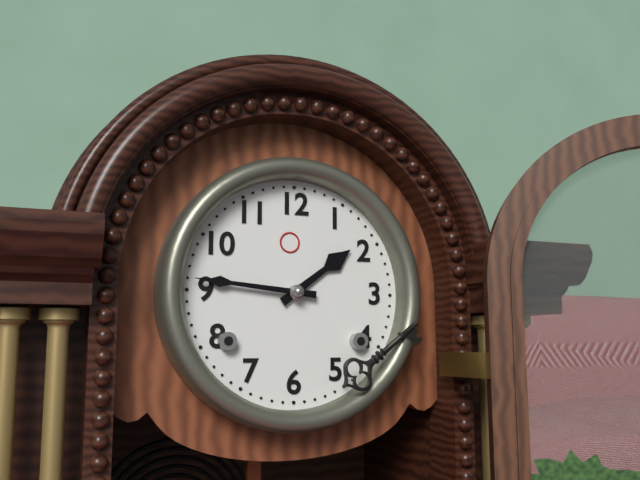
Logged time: 1:46
